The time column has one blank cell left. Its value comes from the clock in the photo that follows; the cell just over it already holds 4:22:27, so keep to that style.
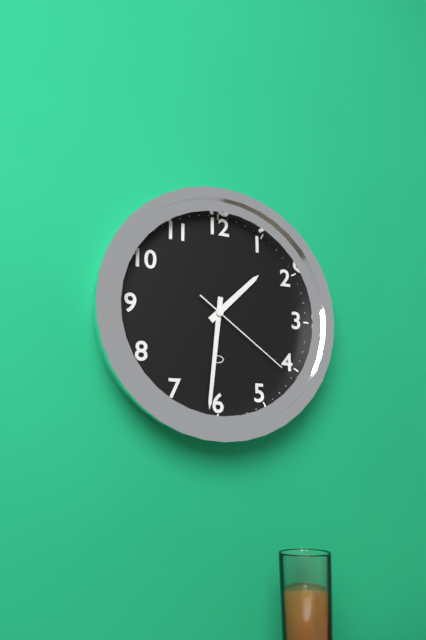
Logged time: 1:31:21
